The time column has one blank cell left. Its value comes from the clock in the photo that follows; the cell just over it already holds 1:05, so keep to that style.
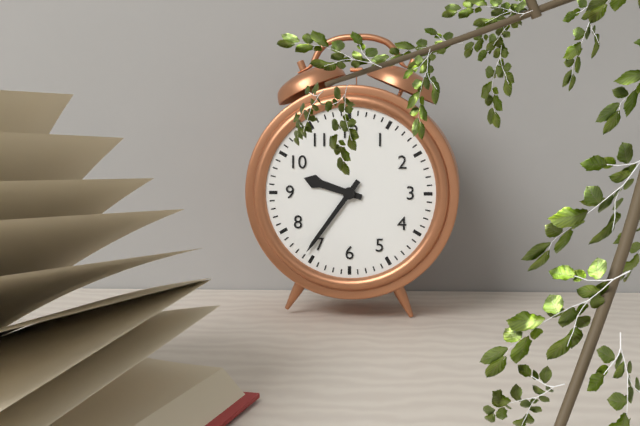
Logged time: 9:36
